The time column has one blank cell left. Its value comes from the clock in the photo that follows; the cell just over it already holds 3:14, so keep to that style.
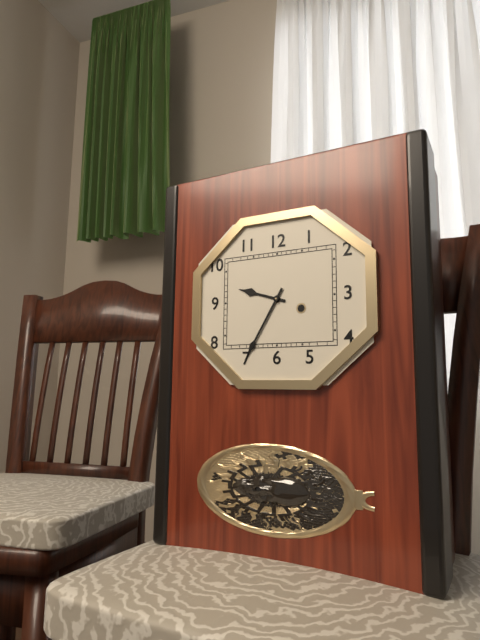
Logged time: 9:35
